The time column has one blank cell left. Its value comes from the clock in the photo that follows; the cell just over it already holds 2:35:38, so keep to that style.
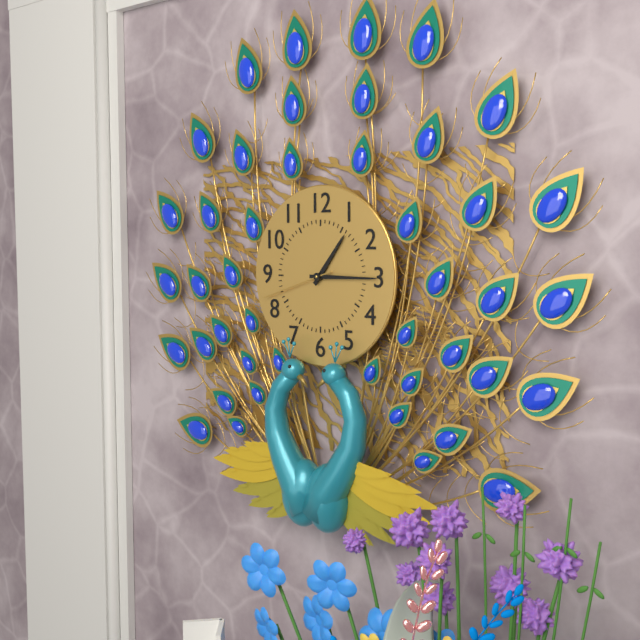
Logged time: 1:15:42
